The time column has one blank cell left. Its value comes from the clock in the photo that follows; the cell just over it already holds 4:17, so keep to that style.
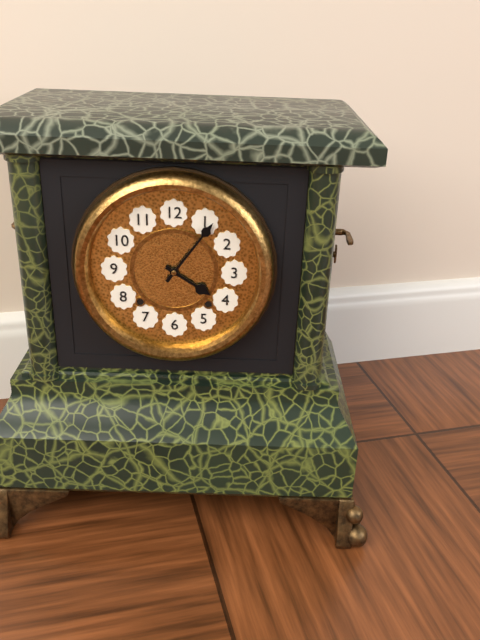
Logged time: 4:06
